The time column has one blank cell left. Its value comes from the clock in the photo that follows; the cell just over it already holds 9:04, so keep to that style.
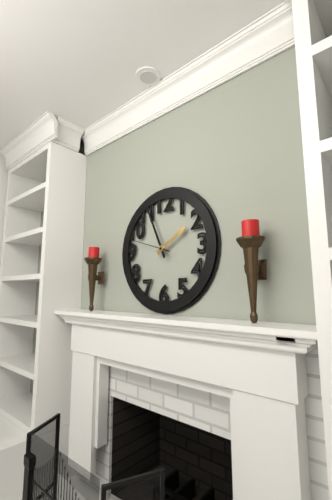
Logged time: 1:56
